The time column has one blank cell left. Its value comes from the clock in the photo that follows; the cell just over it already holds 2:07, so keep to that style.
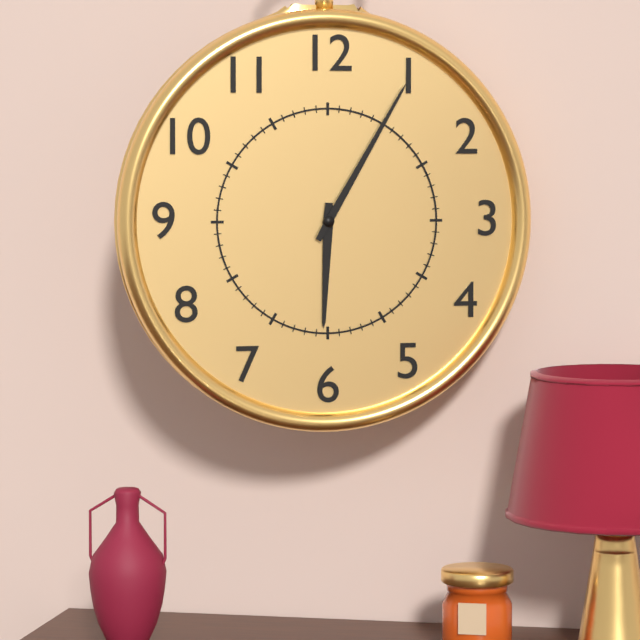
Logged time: 6:05
